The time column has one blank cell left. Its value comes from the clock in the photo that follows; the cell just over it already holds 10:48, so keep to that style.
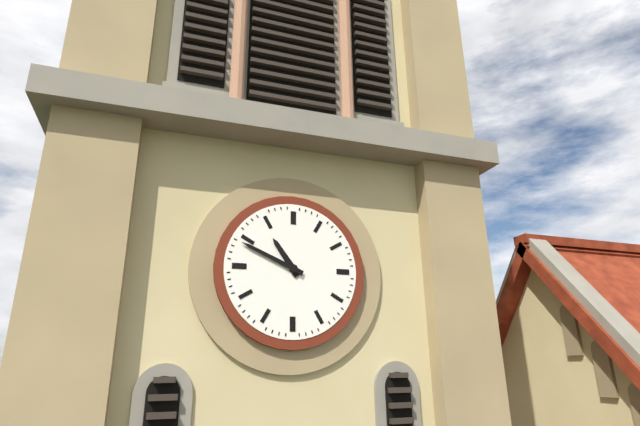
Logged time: 10:49
